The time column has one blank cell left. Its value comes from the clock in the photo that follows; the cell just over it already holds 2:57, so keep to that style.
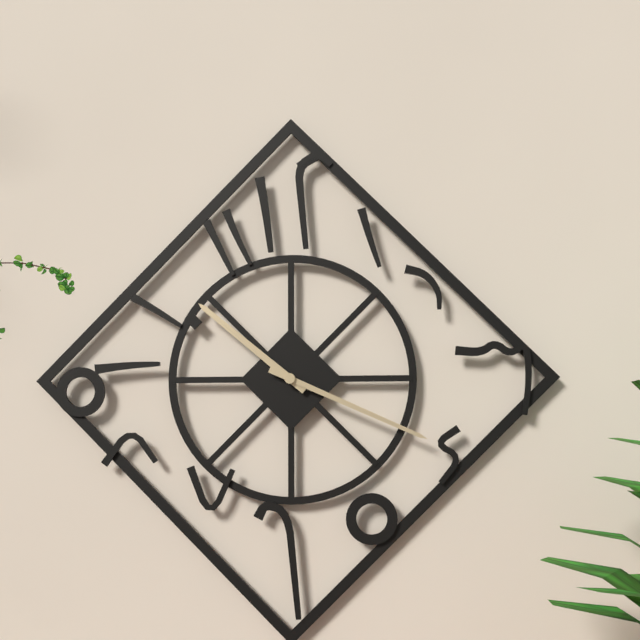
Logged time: 10:19
